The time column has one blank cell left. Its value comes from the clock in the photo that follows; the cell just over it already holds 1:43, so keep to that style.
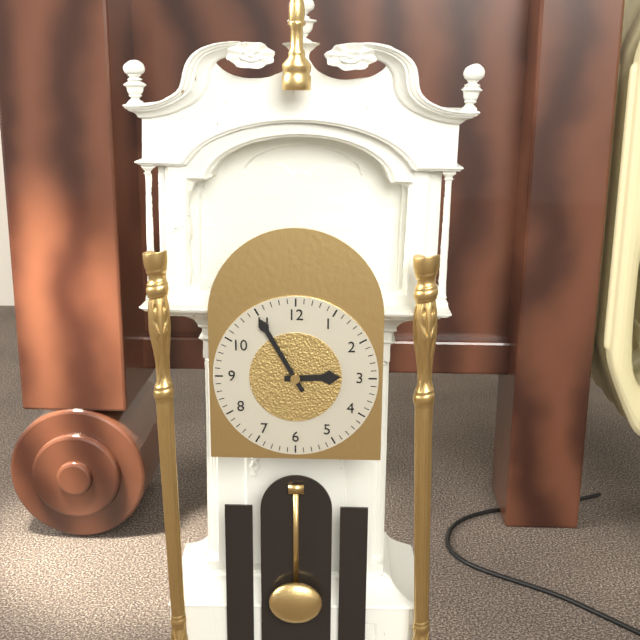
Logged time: 2:55
